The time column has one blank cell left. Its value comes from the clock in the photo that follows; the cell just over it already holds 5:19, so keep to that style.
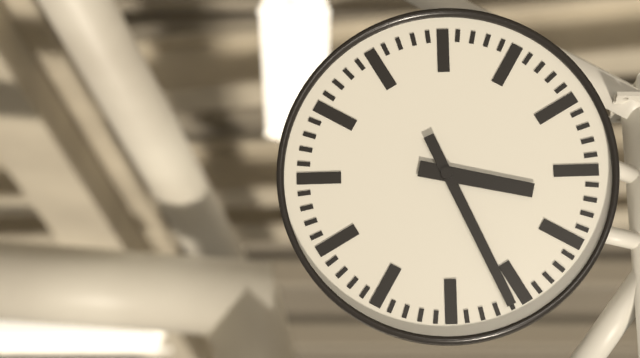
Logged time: 3:26
